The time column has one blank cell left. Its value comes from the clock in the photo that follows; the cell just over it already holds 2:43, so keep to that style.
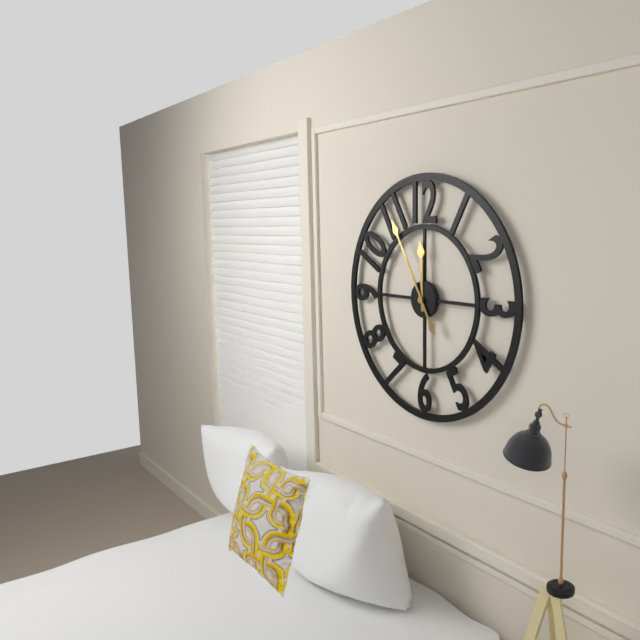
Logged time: 11:55
